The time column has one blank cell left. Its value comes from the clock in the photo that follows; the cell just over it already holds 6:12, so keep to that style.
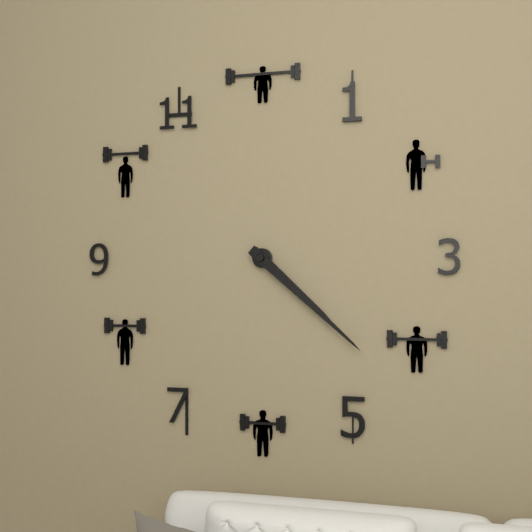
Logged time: 4:22
